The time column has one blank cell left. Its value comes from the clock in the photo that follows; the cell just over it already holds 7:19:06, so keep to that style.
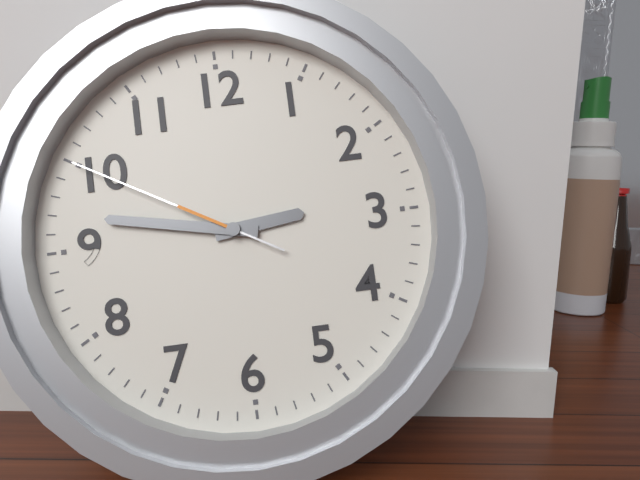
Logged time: 2:47:50
